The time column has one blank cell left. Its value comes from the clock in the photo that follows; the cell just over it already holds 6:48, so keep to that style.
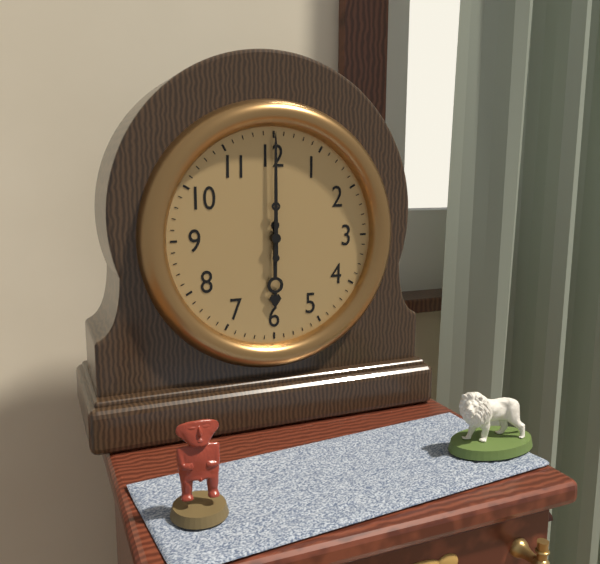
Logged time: 6:00
